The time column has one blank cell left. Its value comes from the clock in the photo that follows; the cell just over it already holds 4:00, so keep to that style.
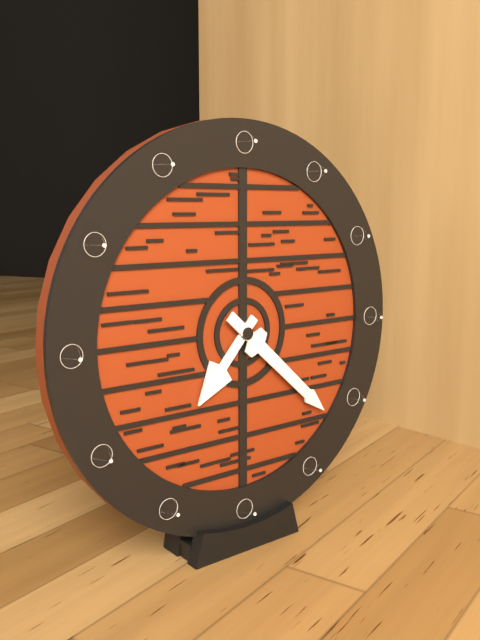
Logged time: 7:22
